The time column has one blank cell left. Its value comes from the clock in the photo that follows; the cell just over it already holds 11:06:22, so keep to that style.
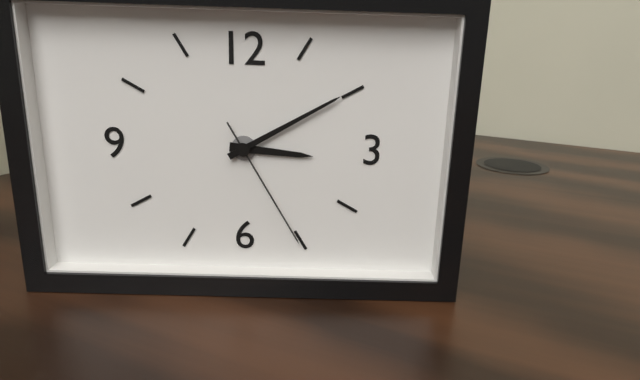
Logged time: 3:10:25
